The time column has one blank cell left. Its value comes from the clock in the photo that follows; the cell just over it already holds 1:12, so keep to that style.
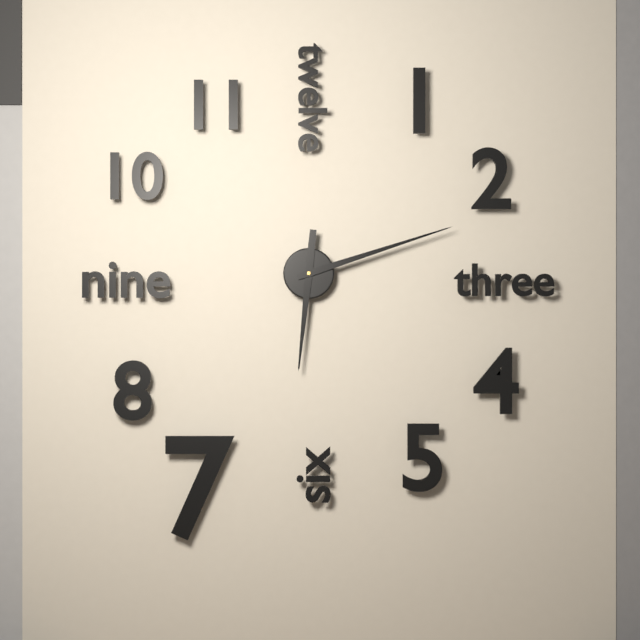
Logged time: 6:12
